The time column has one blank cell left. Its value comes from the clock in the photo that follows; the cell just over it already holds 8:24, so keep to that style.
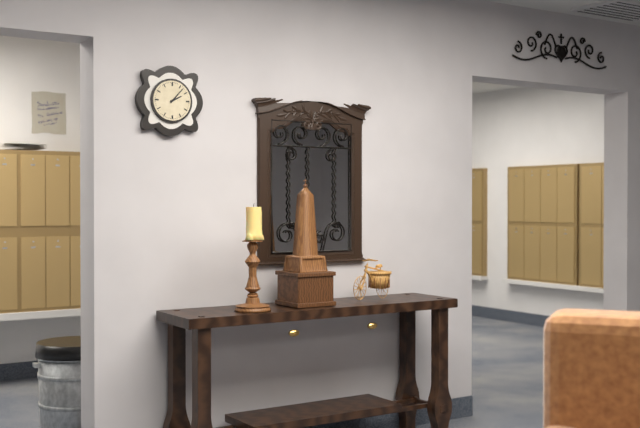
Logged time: 2:07
